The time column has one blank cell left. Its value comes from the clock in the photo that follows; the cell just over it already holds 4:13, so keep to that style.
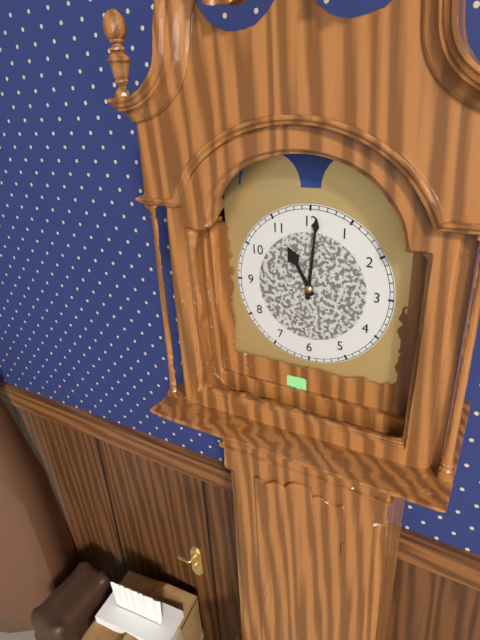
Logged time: 11:01
